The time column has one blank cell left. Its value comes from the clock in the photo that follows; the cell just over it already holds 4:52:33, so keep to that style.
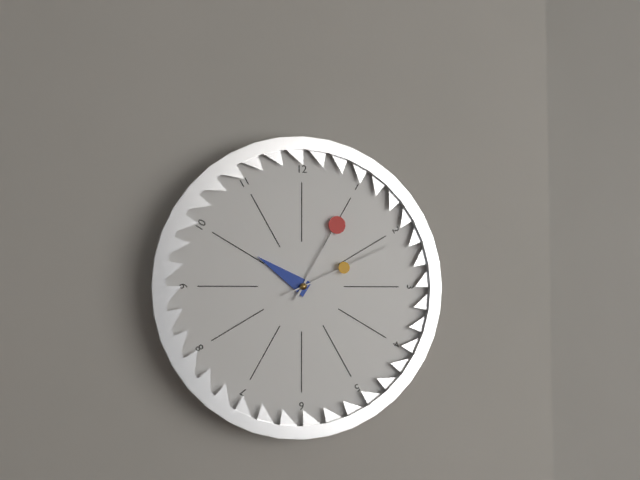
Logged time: 10:05:11
